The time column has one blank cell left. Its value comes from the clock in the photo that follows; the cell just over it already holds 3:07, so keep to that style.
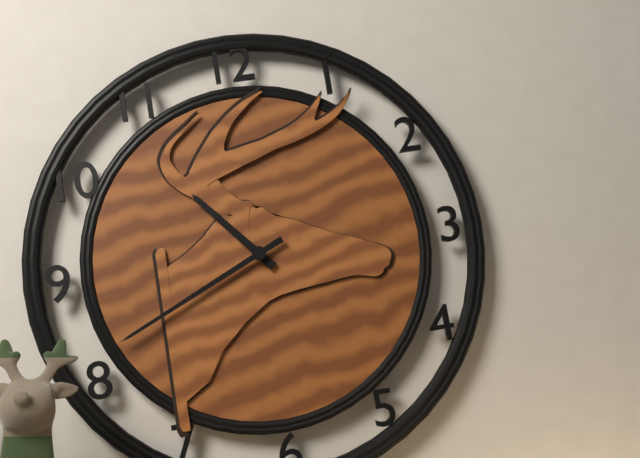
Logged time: 10:41
